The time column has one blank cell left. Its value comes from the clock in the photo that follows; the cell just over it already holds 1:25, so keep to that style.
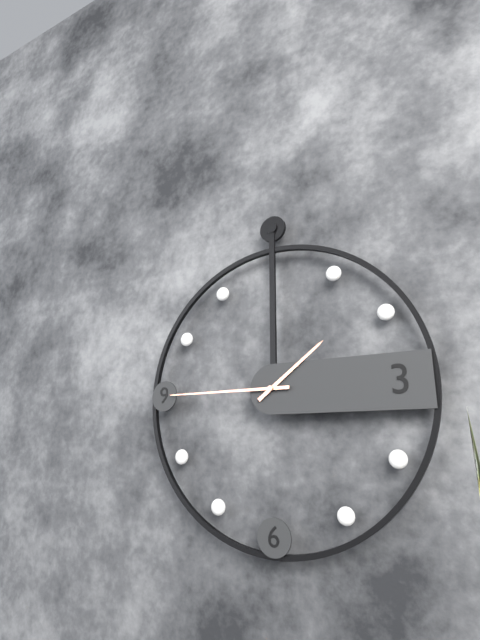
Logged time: 1:45
